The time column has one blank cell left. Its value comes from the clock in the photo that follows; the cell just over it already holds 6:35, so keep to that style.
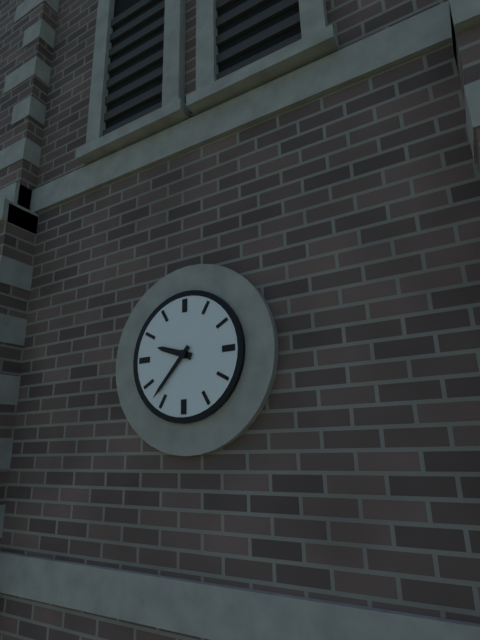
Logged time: 9:37
